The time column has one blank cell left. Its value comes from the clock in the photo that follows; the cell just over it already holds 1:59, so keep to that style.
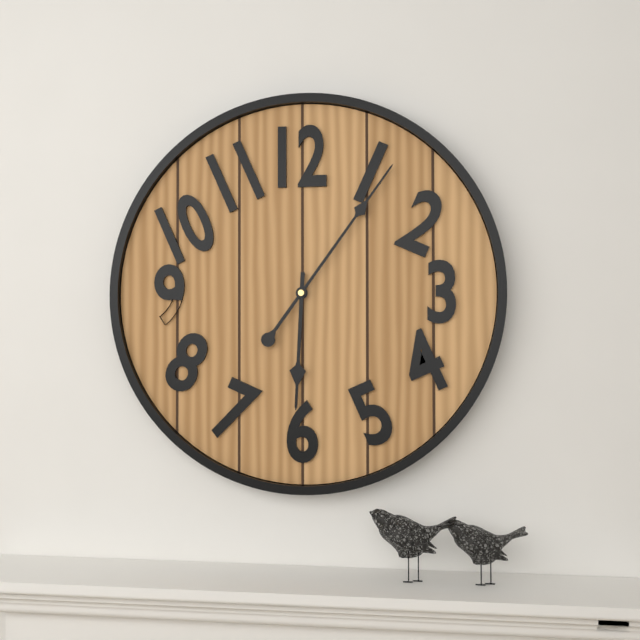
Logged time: 6:06
